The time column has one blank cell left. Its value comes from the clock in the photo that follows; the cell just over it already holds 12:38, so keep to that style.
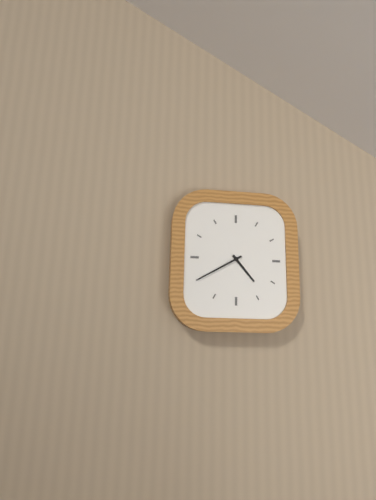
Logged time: 4:40
